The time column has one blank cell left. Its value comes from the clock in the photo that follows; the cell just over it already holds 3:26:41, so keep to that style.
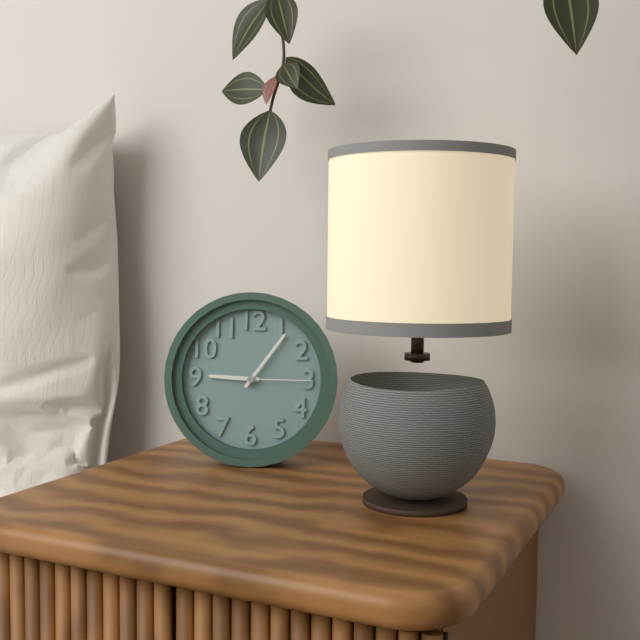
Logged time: 9:06:15
